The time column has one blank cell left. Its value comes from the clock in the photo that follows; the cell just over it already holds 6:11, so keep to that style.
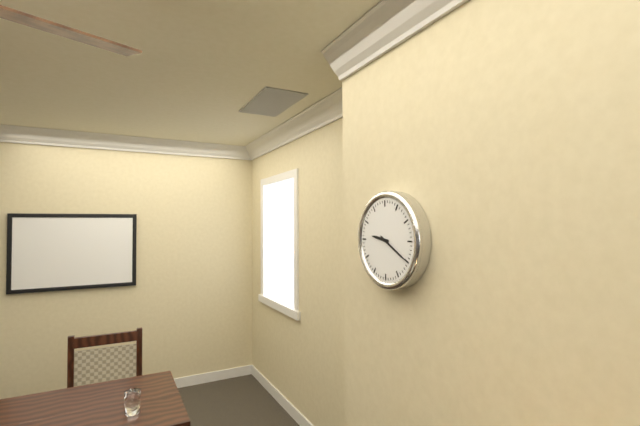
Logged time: 9:20
